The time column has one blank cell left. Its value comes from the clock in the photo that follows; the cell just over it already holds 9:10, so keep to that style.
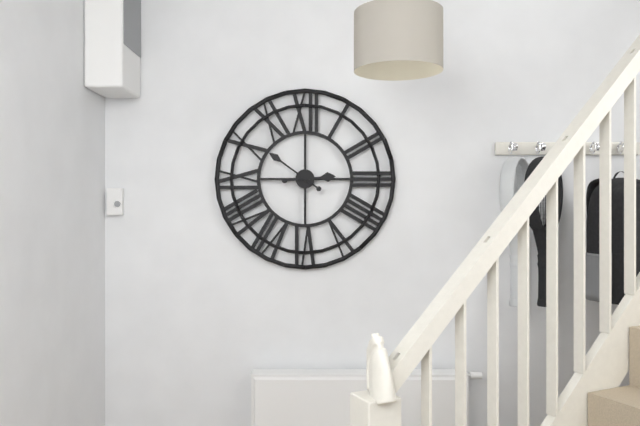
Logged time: 2:51
